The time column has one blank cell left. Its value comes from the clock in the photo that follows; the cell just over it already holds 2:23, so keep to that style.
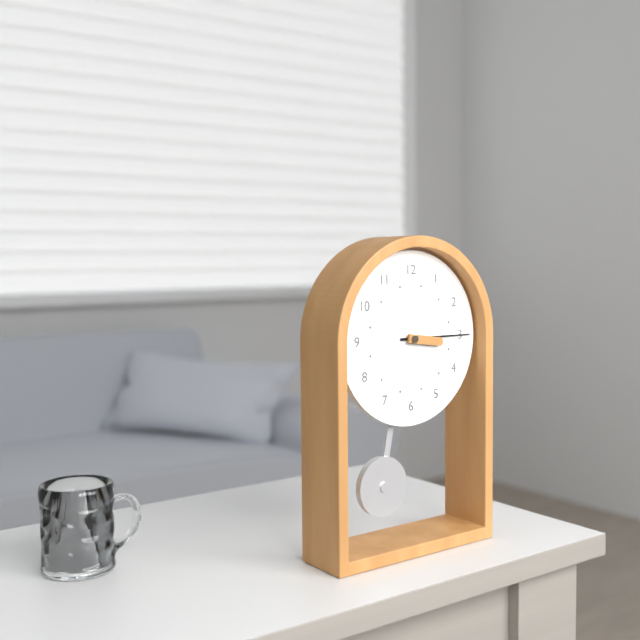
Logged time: 3:15
